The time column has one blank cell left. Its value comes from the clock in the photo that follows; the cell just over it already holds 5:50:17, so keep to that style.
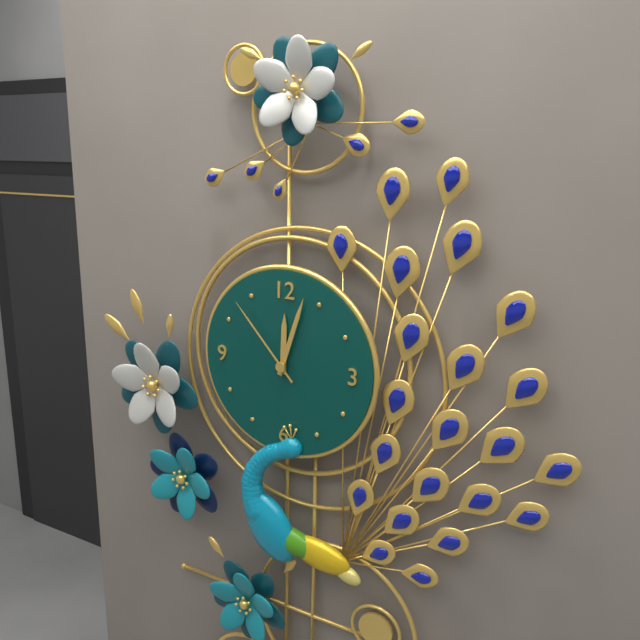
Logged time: 12:03:53
